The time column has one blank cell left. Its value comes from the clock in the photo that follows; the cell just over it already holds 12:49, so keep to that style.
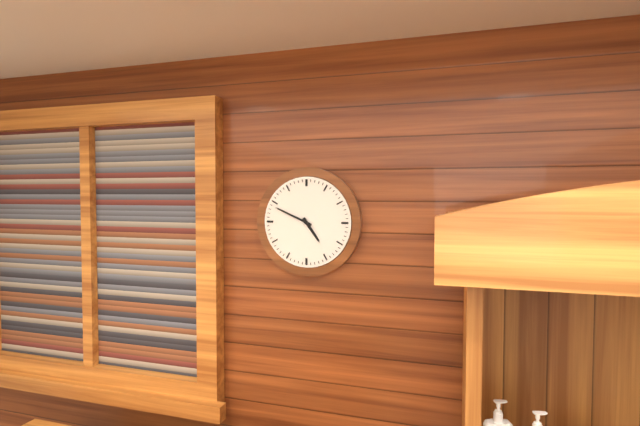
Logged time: 4:49
